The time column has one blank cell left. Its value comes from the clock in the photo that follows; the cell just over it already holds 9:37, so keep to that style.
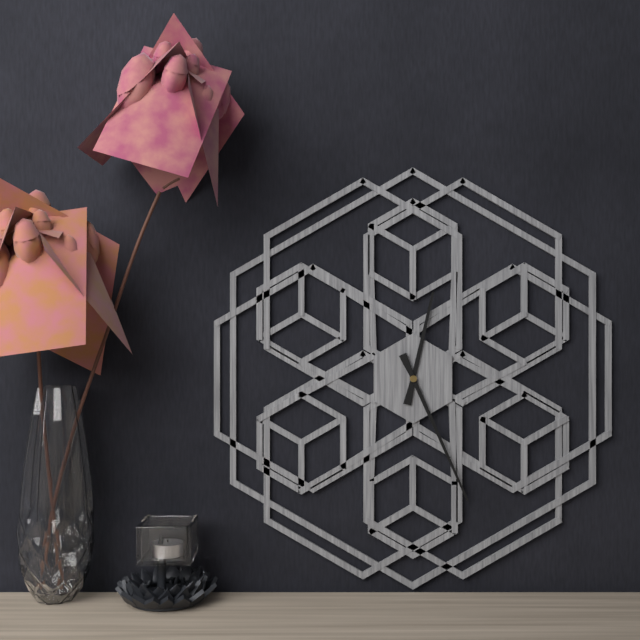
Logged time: 12:26
